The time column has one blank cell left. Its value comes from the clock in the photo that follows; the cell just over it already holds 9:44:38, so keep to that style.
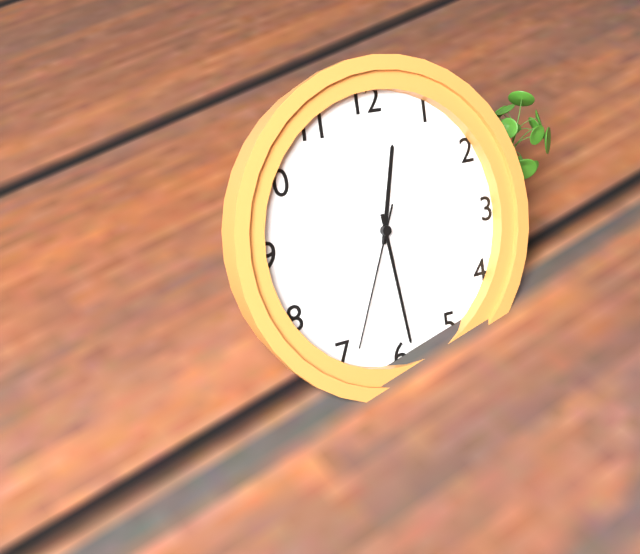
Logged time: 12:29:34
